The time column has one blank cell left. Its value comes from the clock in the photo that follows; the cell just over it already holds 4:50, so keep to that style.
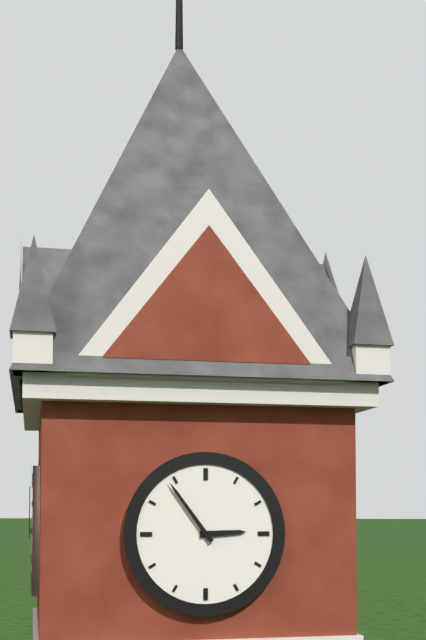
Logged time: 2:54
